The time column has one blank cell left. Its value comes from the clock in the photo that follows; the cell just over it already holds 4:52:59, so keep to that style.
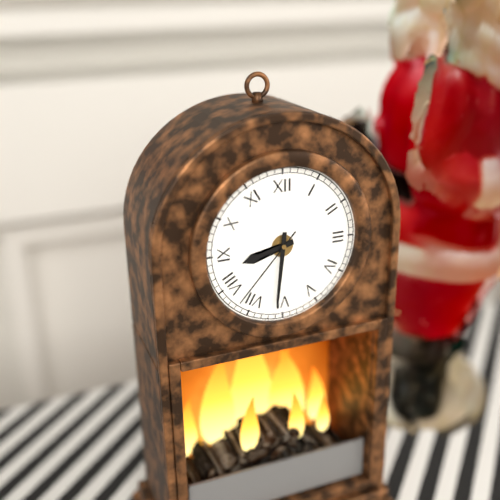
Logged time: 8:31:37
